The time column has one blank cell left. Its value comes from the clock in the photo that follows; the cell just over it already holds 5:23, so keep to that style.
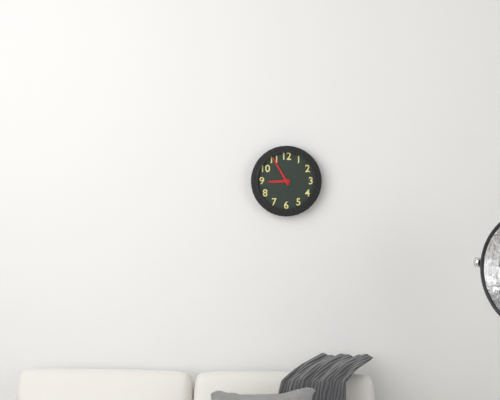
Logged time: 8:55
